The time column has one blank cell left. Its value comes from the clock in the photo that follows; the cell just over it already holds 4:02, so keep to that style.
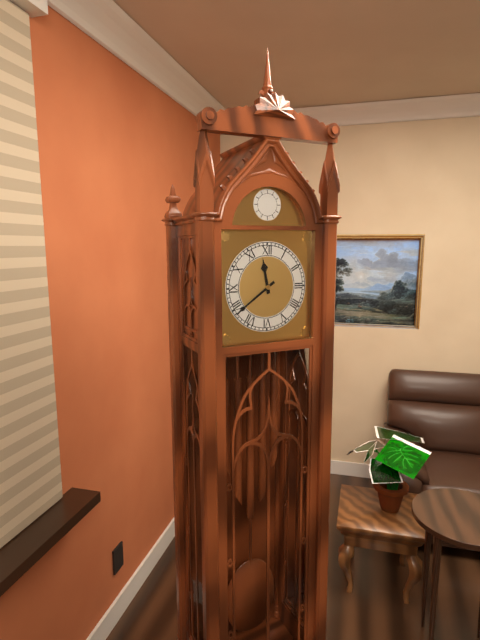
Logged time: 11:39
